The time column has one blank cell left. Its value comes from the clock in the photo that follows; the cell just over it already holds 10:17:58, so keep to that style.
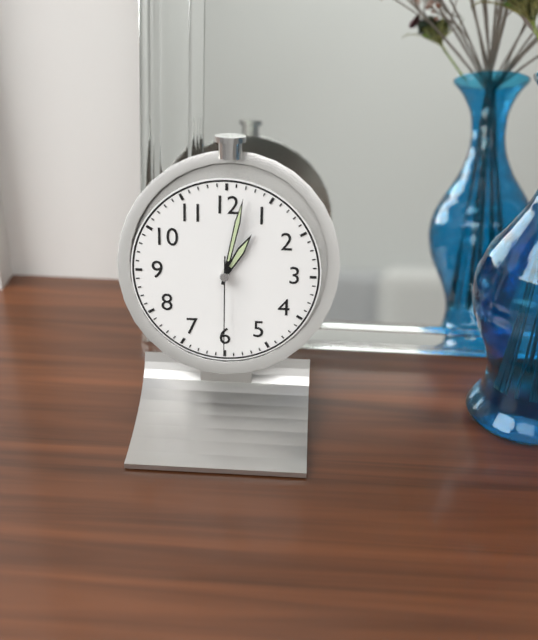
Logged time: 1:02:30
